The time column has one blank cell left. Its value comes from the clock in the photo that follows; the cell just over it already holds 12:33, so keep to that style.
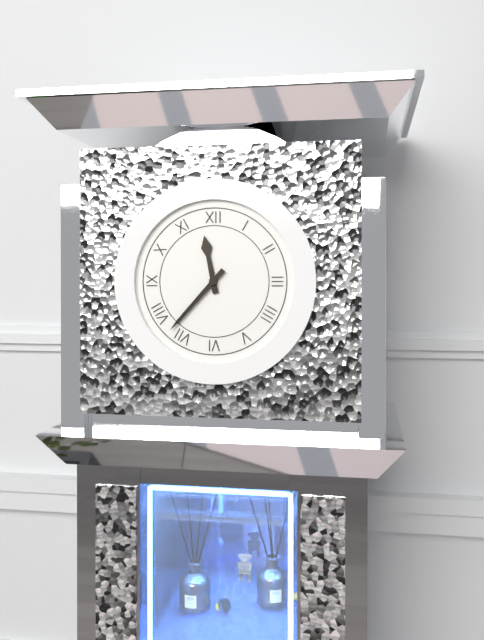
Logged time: 11:37
